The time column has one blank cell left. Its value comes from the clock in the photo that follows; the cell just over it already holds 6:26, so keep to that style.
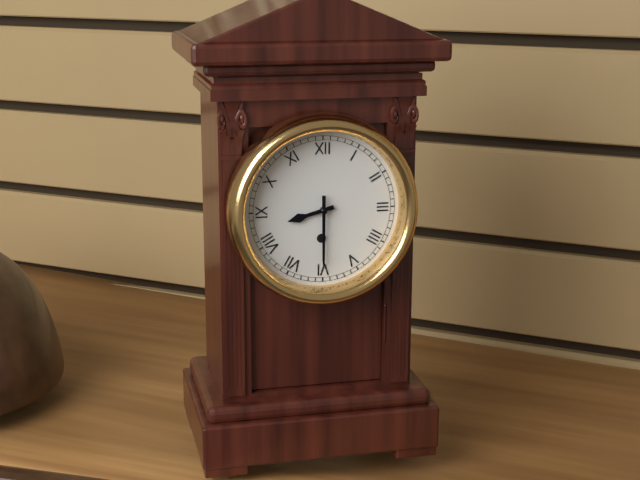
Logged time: 8:30
